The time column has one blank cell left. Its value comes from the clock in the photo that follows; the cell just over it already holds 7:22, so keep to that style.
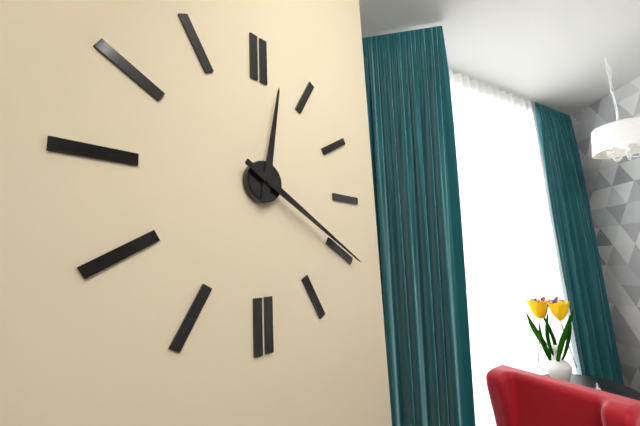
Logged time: 12:20
